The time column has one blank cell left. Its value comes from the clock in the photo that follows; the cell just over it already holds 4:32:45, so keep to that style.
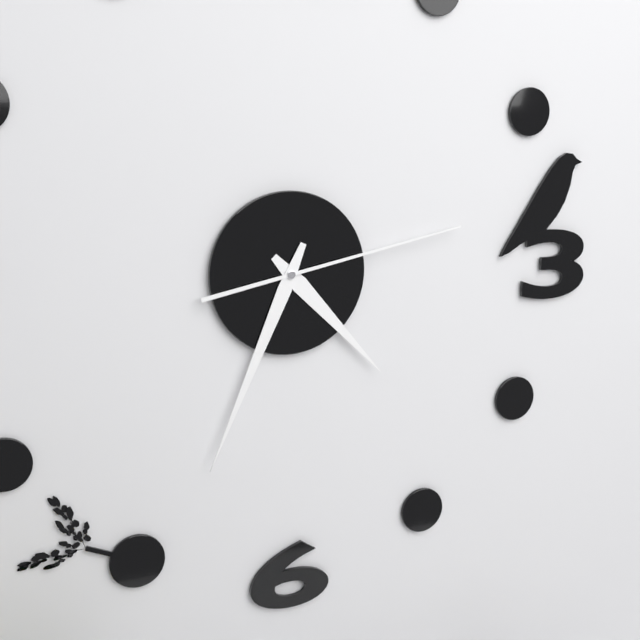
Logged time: 4:34:13
